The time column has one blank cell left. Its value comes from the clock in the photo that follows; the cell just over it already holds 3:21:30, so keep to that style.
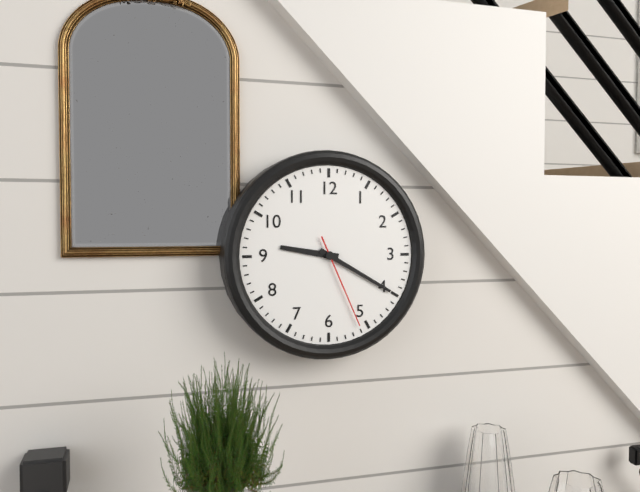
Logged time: 9:20:26
